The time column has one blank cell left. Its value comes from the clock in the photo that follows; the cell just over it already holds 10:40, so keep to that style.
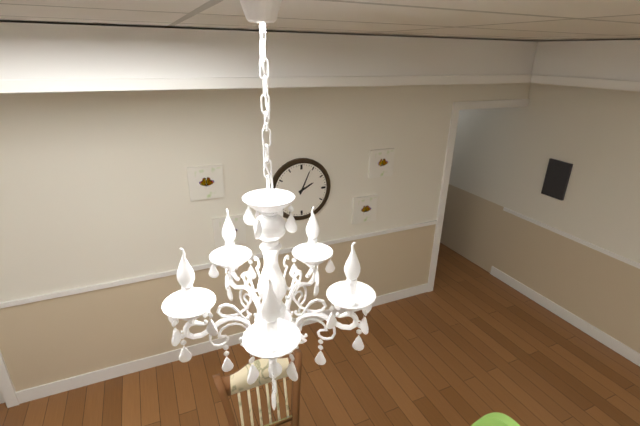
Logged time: 2:04
